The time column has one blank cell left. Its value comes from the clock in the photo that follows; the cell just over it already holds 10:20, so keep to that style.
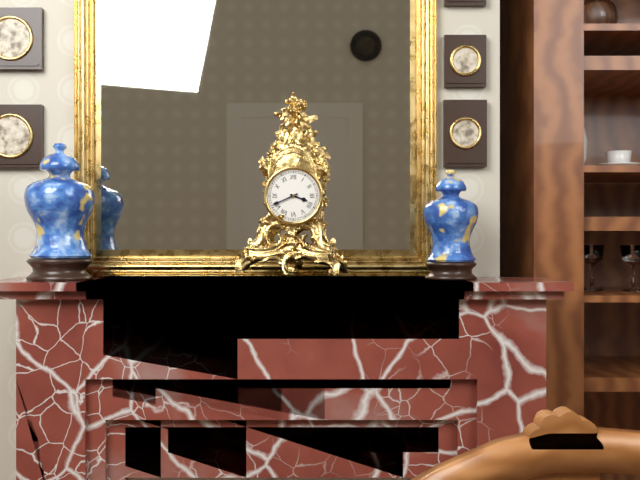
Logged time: 3:41
